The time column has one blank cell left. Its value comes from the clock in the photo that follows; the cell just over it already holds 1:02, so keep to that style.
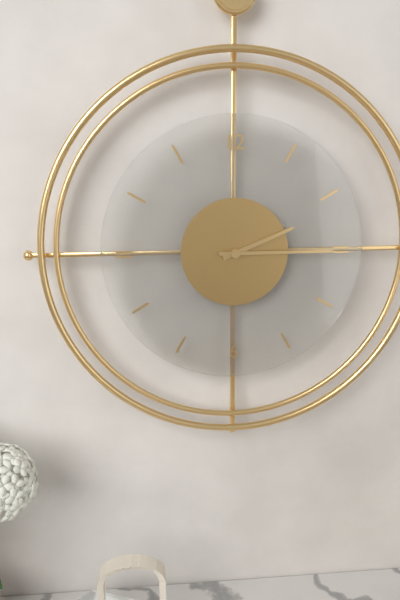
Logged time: 2:15
